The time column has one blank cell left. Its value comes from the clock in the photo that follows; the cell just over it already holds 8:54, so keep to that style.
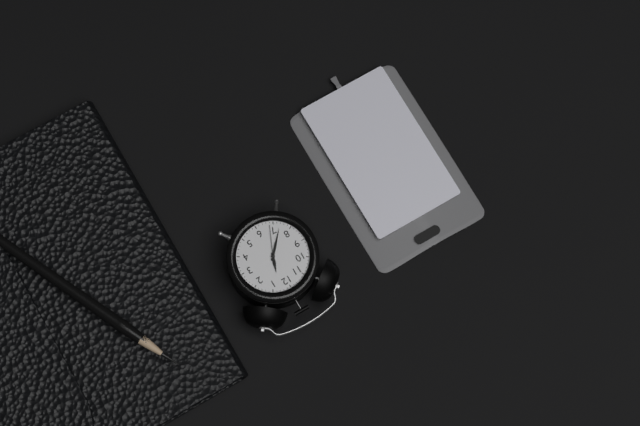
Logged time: 12:37
